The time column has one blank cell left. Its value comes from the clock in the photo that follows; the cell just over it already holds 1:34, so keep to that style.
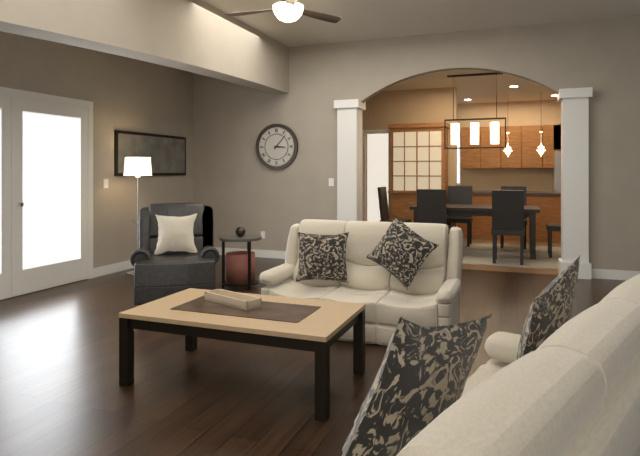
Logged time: 3:07
